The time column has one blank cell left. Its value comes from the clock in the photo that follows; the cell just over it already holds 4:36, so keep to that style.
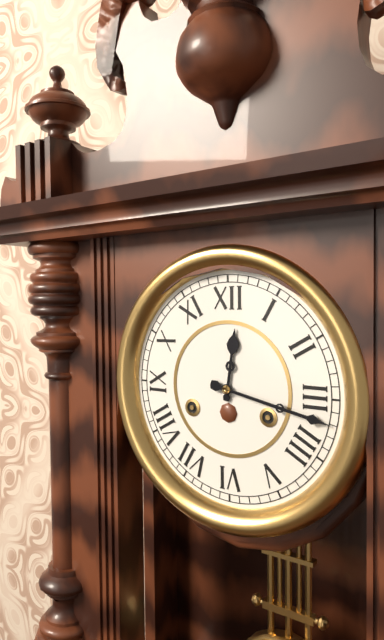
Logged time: 12:17
